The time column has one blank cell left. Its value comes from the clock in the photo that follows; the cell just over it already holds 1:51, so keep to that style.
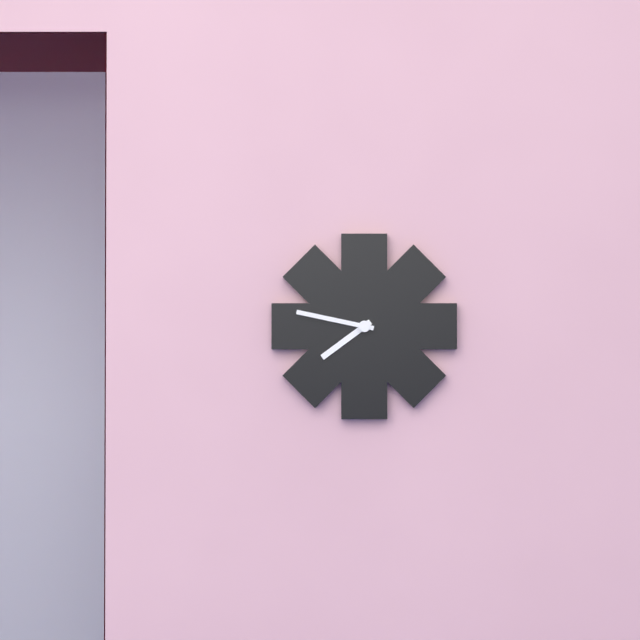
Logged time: 7:47
